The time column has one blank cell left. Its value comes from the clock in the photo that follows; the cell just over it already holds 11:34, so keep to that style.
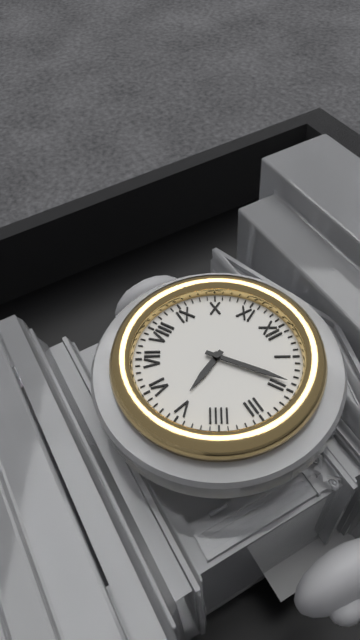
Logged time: 5:09
